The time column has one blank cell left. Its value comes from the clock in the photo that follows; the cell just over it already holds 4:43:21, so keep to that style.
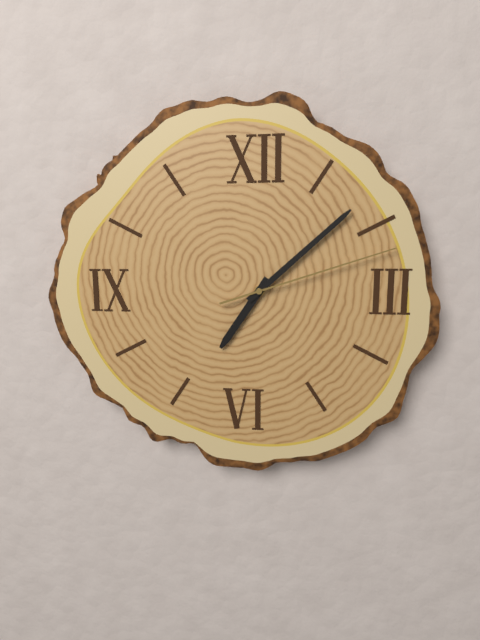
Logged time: 7:08:12
